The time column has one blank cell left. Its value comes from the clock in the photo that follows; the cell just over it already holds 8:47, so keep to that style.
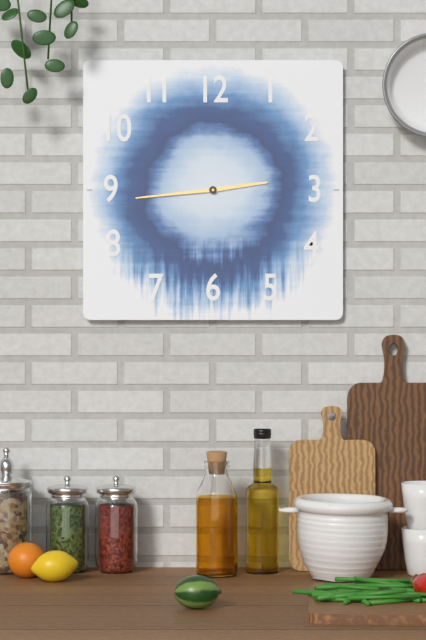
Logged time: 2:44
